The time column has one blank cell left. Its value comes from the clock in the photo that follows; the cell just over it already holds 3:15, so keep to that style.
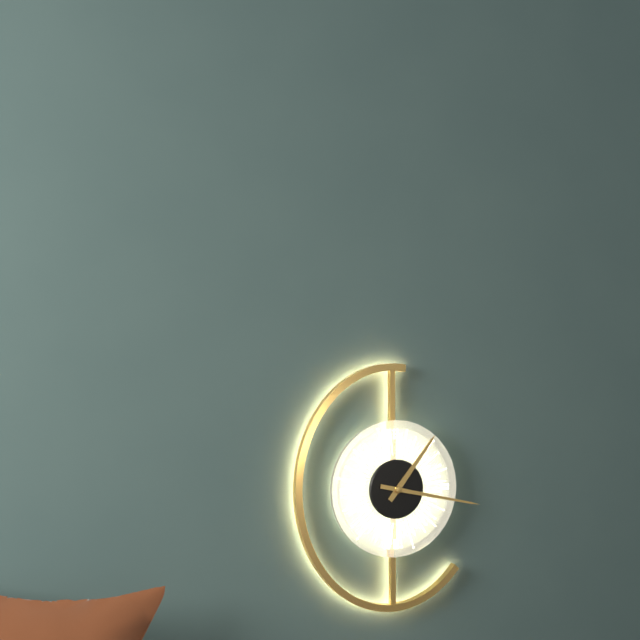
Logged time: 1:17
